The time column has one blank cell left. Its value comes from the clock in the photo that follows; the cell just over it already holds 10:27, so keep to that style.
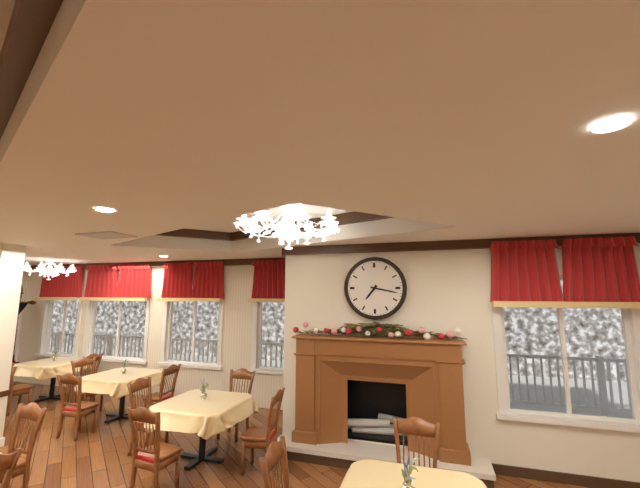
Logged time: 7:17
